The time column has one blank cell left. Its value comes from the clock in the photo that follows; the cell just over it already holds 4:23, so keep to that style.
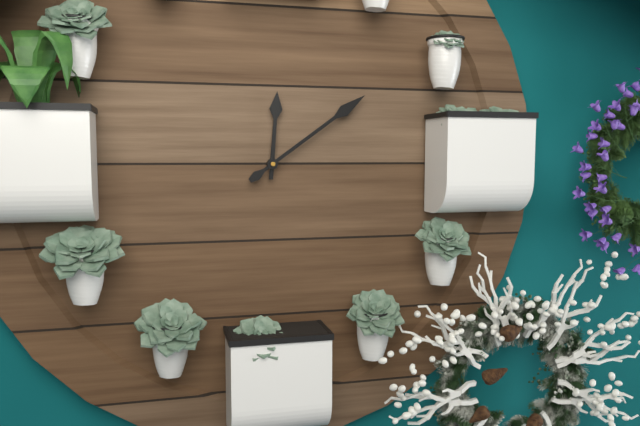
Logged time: 12:09
